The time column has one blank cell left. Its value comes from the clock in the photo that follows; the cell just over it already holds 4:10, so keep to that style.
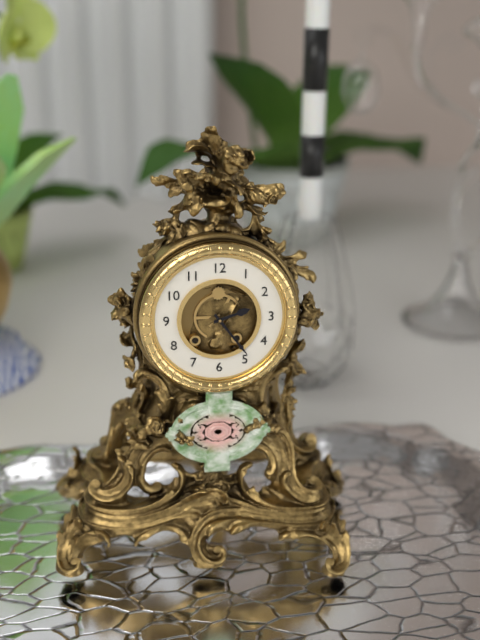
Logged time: 2:24
